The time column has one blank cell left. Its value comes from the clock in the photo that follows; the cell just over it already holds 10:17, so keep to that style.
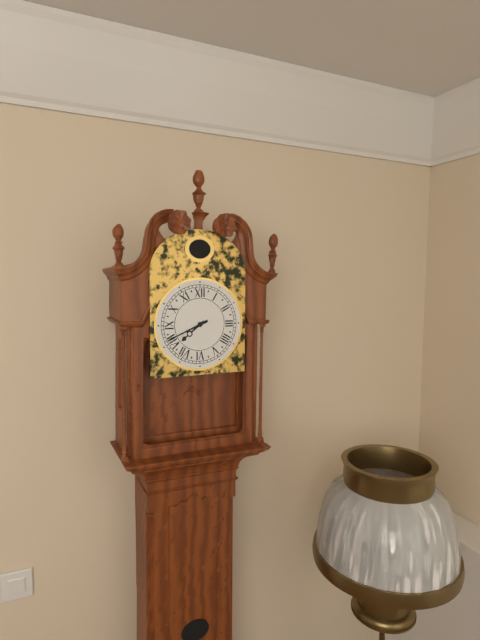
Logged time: 7:41
